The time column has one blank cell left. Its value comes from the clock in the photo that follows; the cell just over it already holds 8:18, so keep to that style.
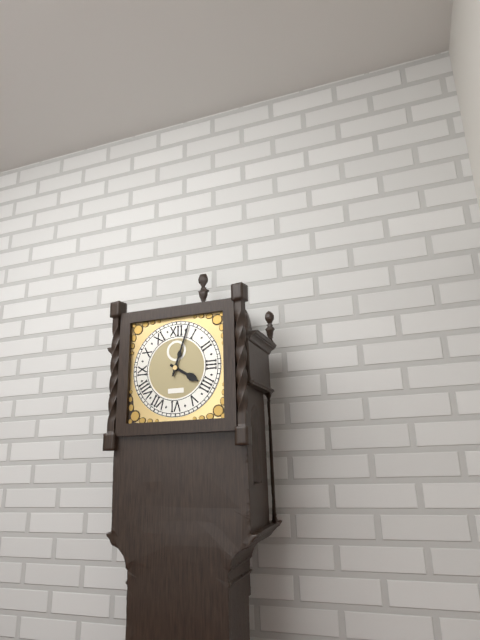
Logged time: 4:03
